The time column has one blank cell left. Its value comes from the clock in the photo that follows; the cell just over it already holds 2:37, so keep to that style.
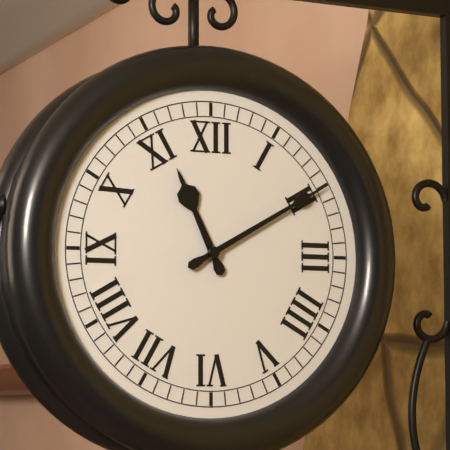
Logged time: 11:10
